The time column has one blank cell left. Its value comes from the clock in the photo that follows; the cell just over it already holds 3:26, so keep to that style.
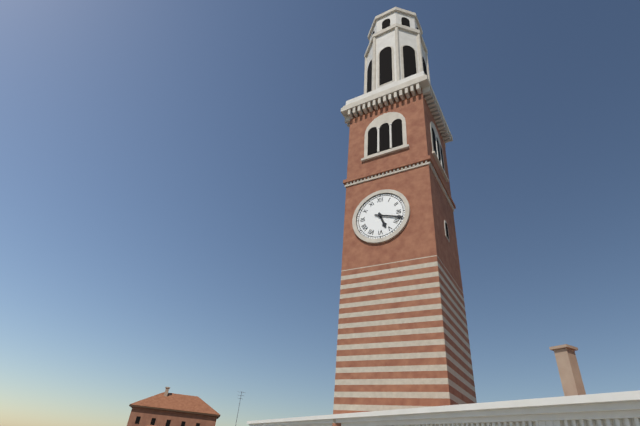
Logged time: 5:18
